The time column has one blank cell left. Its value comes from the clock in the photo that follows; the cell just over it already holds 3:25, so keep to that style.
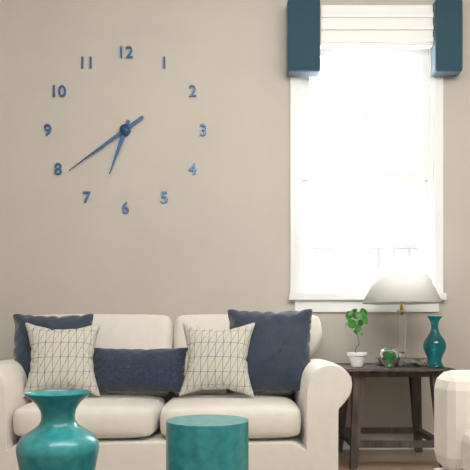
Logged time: 6:39
